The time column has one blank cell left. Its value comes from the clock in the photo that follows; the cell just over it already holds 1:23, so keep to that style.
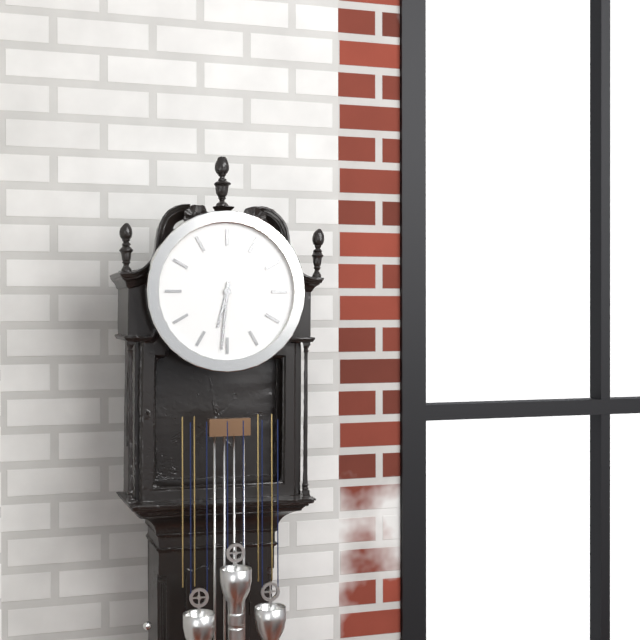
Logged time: 6:31
